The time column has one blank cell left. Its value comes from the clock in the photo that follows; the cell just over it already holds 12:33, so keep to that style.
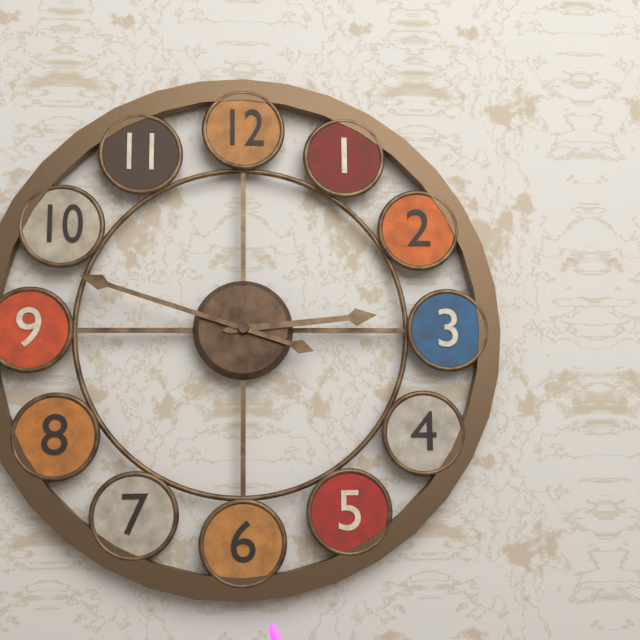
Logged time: 2:48
